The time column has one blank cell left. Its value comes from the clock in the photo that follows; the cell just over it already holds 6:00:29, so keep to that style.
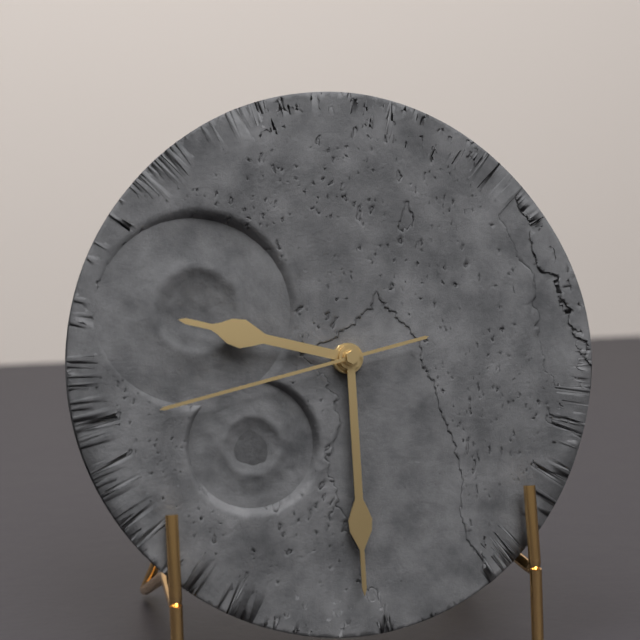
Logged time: 9:30:43
